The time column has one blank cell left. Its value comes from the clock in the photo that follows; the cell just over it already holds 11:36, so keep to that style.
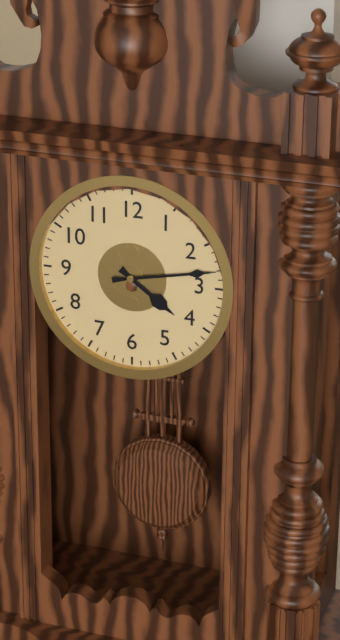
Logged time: 4:13
